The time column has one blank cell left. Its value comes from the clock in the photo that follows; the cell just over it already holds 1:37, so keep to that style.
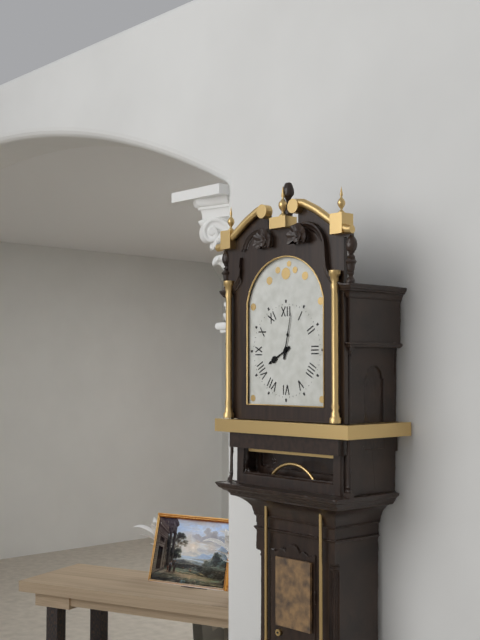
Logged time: 8:02
